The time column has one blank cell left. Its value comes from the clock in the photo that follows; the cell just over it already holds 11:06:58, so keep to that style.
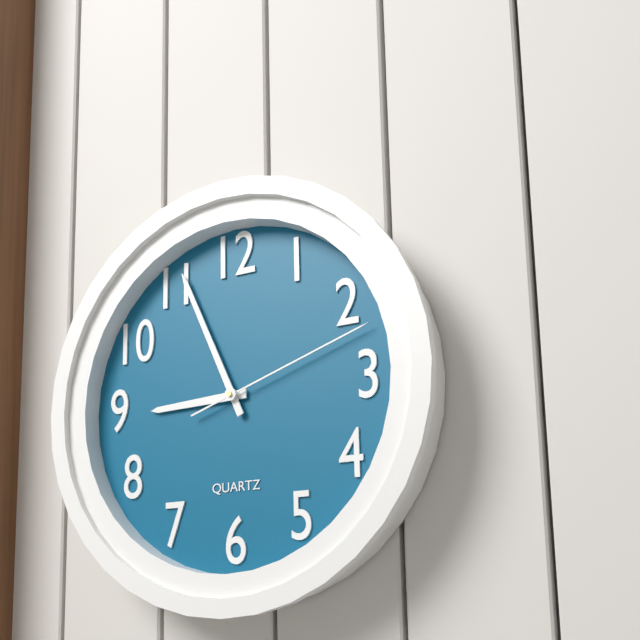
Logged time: 8:56:12
